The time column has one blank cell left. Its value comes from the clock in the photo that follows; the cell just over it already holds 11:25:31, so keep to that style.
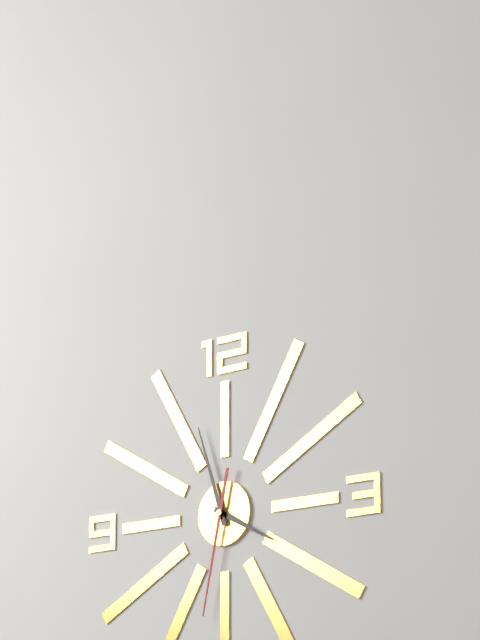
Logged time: 3:57:32
